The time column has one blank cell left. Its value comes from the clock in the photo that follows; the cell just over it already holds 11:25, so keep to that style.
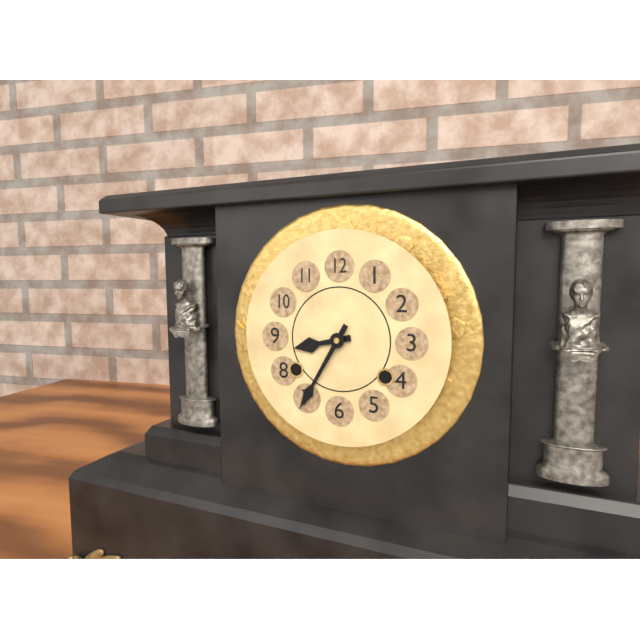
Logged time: 8:35
